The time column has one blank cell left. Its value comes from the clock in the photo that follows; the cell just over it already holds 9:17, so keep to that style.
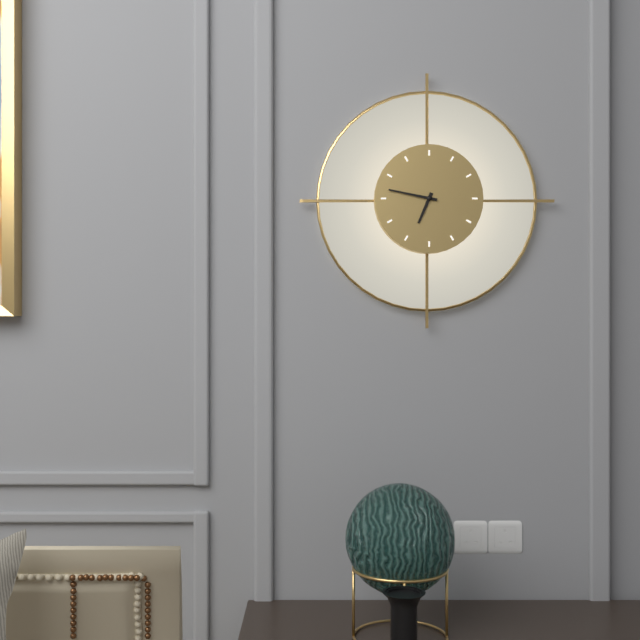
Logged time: 6:47
